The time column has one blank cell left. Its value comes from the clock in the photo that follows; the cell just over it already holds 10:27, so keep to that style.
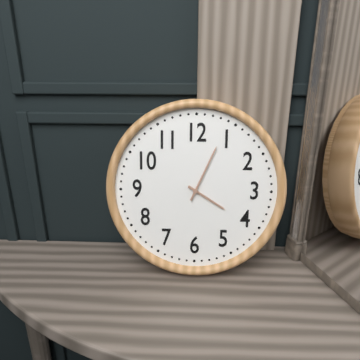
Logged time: 4:04
